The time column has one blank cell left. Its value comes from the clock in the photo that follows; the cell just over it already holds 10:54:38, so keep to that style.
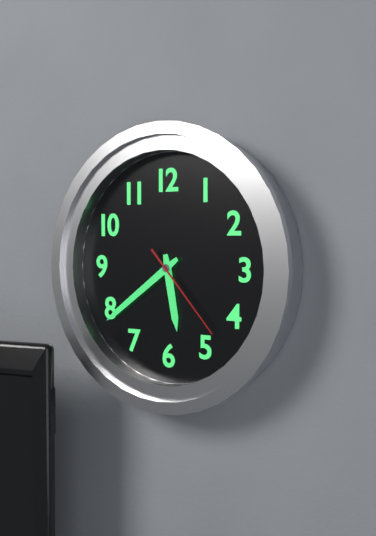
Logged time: 5:39:23
